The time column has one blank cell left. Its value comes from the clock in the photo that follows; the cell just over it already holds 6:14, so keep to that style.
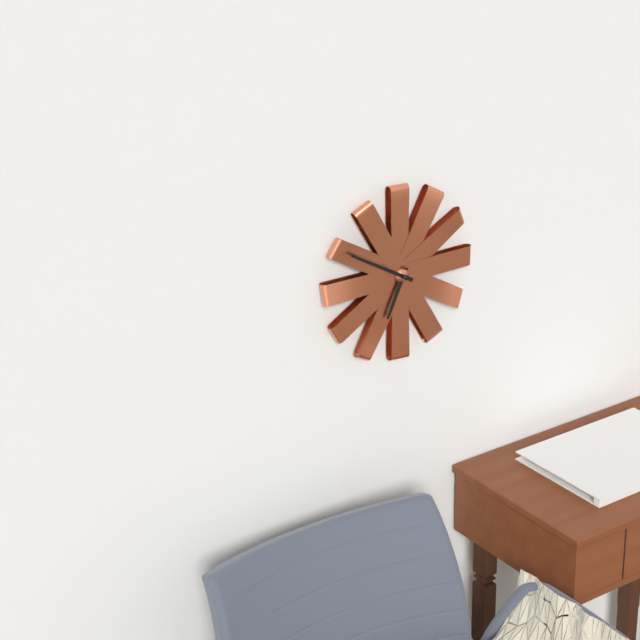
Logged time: 6:50
